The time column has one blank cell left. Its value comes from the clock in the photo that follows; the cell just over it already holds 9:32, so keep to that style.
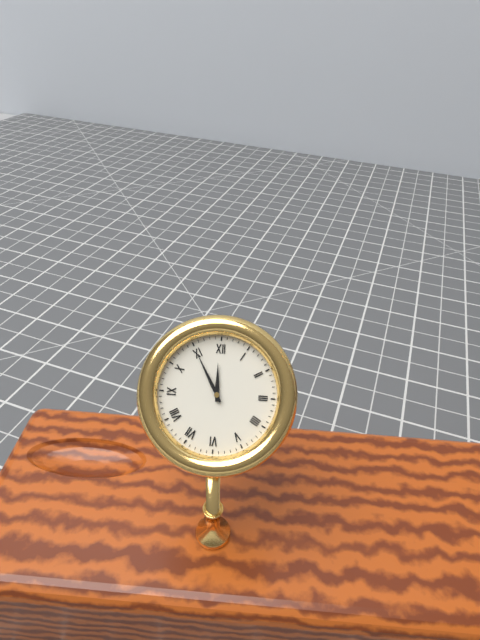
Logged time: 11:55
